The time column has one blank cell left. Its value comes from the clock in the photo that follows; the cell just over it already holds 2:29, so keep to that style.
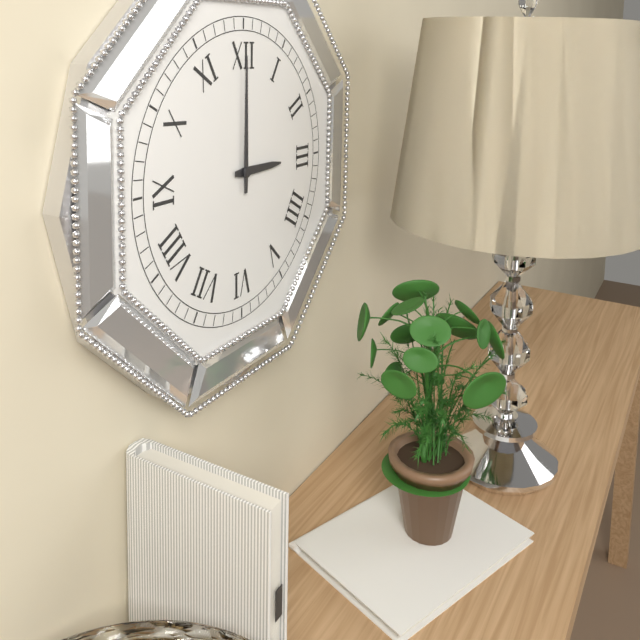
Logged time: 3:00
